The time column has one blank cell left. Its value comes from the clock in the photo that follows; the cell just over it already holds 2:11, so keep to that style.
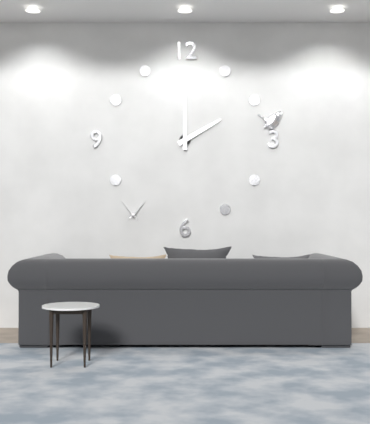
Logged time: 2:00
